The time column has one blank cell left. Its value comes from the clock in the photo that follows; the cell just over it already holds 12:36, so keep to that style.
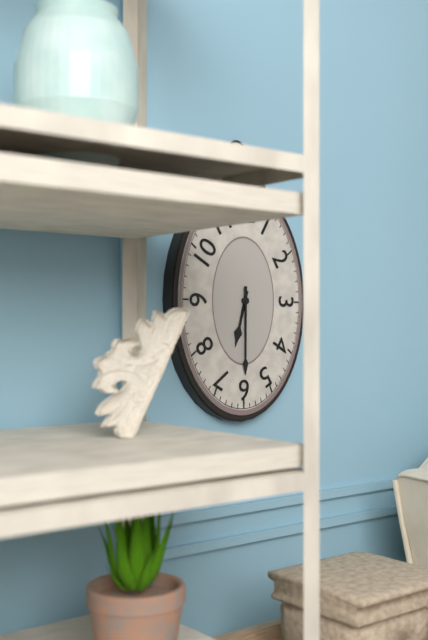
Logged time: 6:30
